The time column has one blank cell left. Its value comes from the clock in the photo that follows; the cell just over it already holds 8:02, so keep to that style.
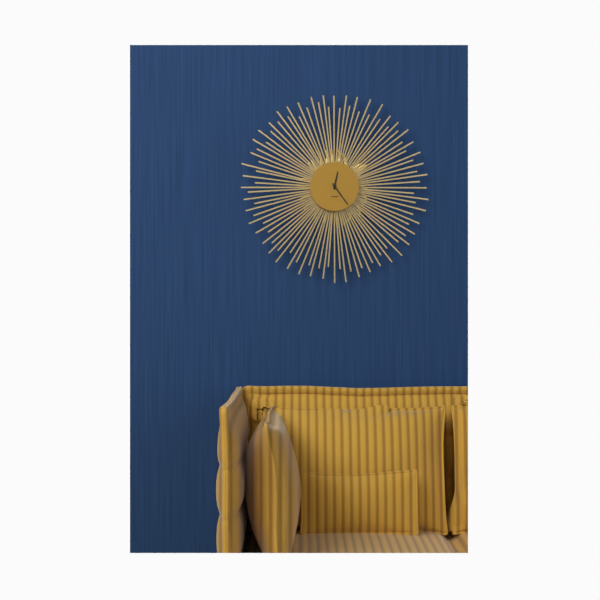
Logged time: 12:24
